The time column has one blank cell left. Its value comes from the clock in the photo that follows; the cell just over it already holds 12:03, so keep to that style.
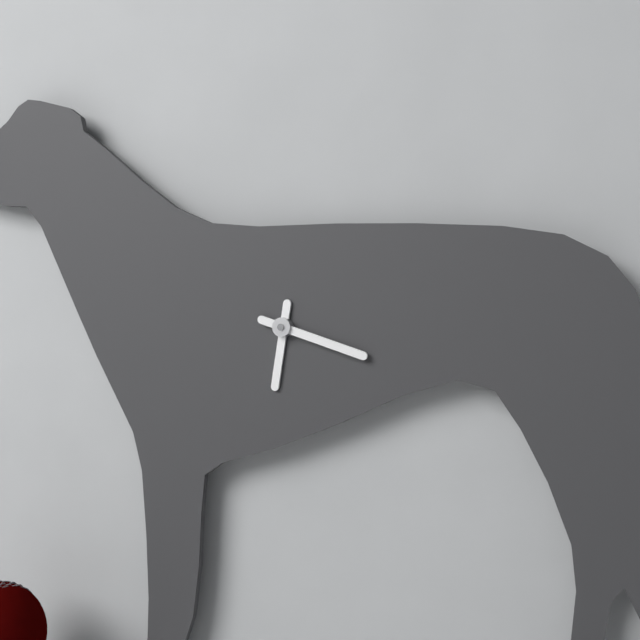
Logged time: 6:18
